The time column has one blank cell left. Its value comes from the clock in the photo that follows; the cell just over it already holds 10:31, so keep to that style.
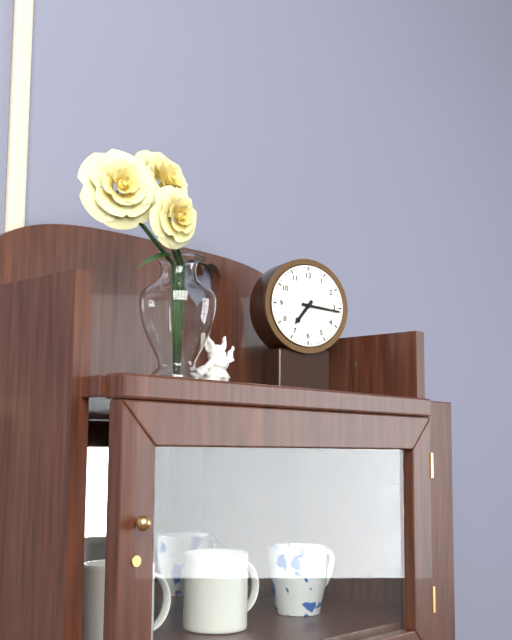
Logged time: 7:16
